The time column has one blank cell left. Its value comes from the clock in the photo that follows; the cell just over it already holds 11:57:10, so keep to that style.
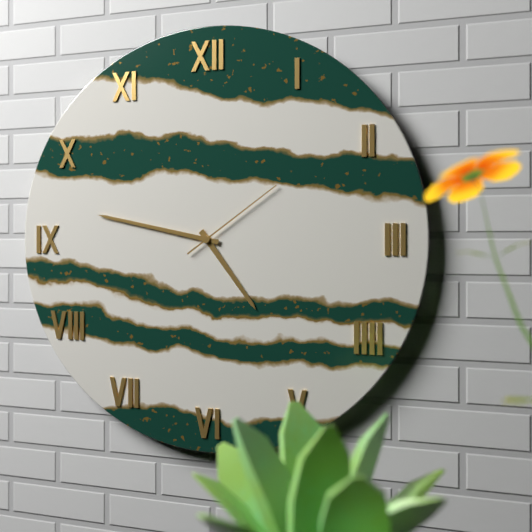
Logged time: 4:47:09
